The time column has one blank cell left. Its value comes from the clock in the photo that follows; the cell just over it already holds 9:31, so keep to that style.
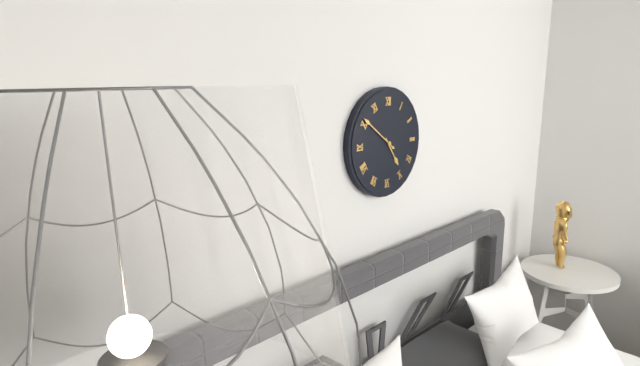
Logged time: 4:51
